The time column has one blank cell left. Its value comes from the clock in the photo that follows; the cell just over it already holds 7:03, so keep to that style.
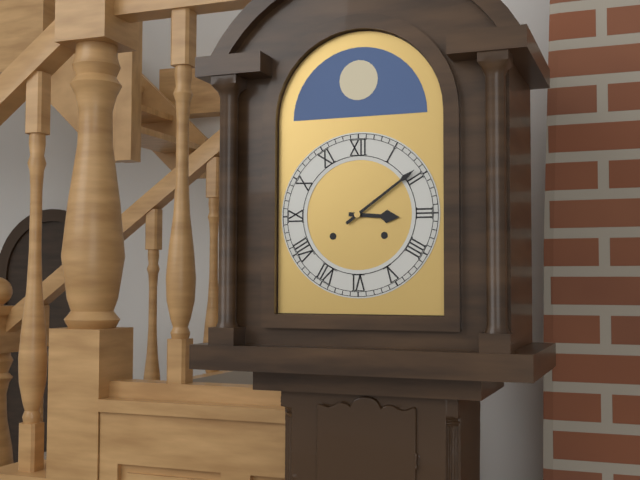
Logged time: 3:09
